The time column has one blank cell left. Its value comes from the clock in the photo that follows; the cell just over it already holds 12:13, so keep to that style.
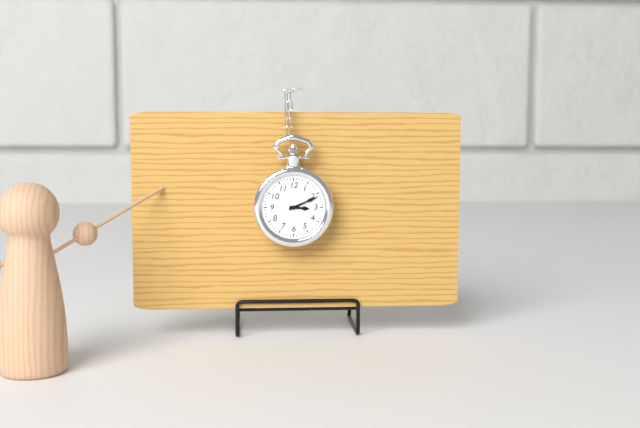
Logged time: 3:11
